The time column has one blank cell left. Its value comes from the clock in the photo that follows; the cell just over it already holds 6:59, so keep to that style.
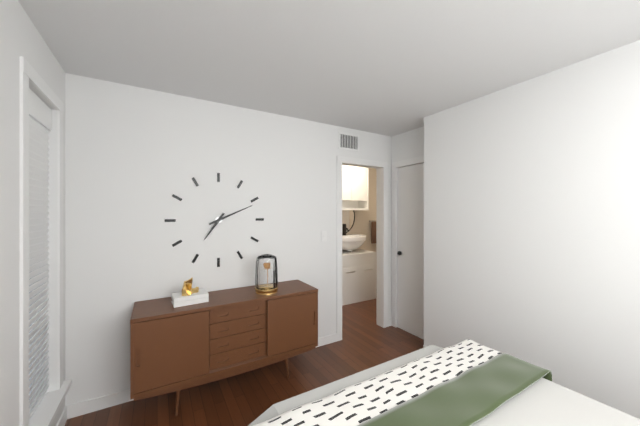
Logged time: 7:11
